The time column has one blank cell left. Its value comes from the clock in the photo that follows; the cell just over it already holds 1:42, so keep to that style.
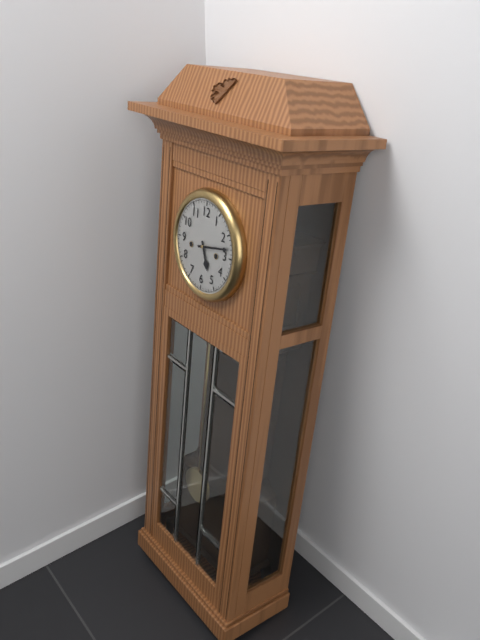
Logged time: 5:13
